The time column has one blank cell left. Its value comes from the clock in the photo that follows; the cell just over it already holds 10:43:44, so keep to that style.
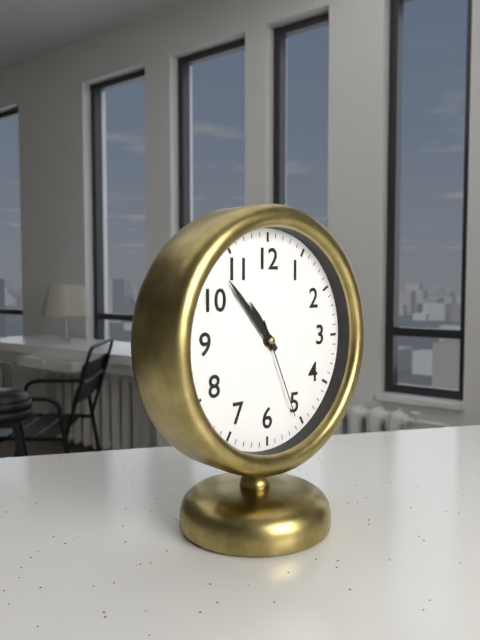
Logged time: 10:53:26
